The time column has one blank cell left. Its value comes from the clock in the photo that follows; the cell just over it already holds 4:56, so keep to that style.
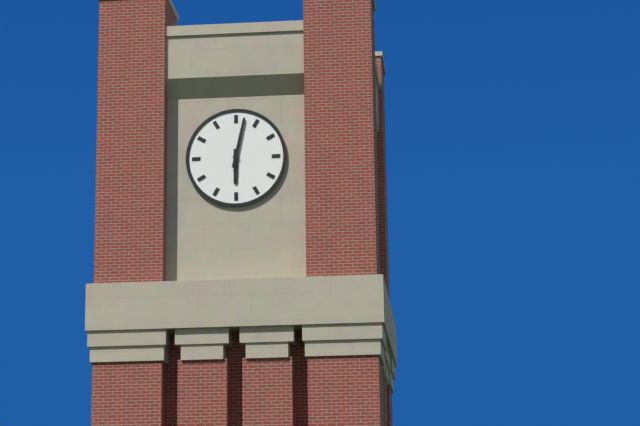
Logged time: 6:02
